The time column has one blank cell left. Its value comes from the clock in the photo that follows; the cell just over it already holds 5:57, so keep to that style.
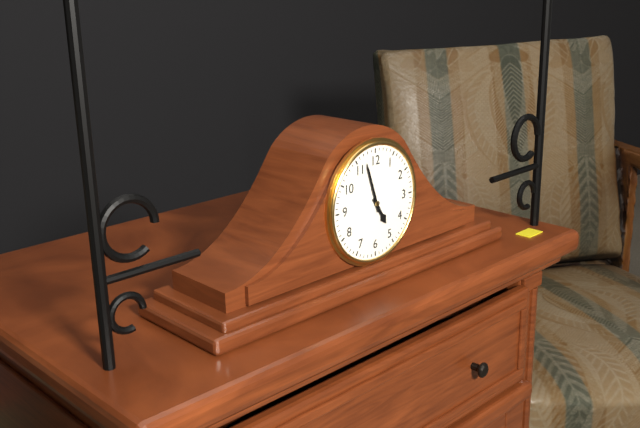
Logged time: 4:57
